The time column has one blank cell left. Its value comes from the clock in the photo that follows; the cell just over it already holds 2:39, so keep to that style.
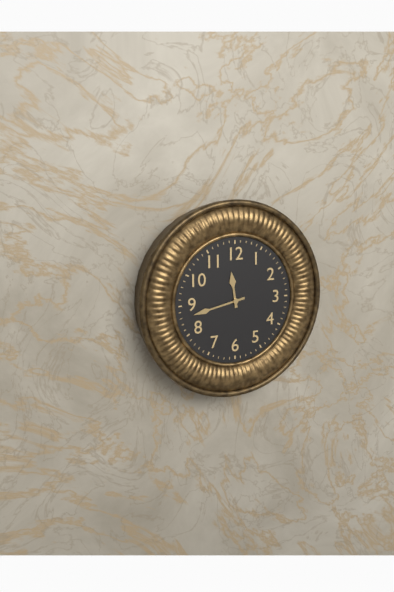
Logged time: 11:43
